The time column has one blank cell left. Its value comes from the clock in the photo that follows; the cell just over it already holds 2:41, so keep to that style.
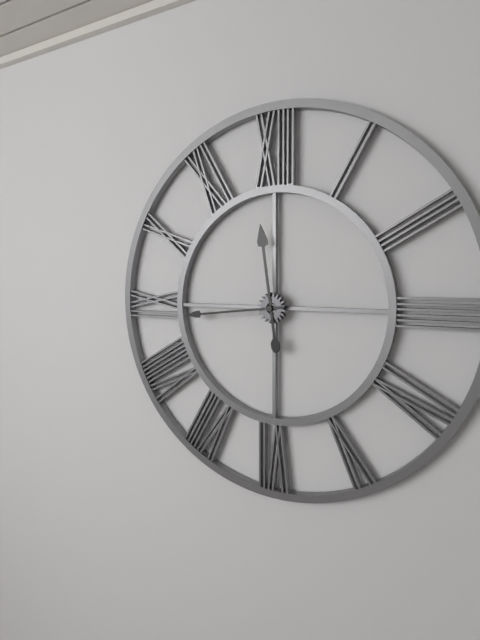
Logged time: 11:44
